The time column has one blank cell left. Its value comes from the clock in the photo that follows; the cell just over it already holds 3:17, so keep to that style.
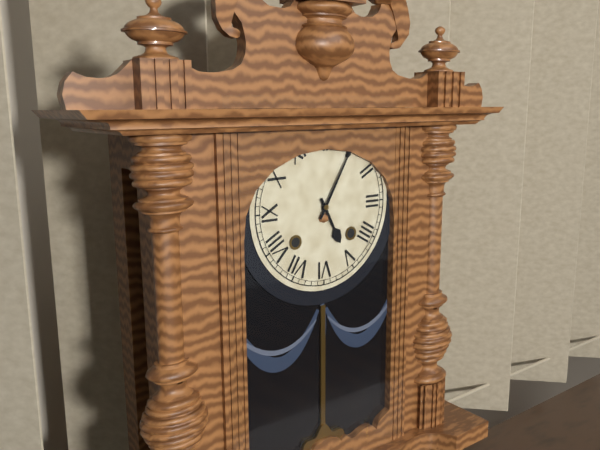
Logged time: 5:05
